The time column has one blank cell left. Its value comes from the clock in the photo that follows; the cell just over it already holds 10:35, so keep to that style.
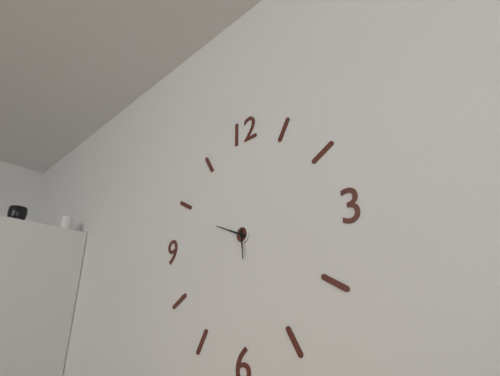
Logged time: 5:49
